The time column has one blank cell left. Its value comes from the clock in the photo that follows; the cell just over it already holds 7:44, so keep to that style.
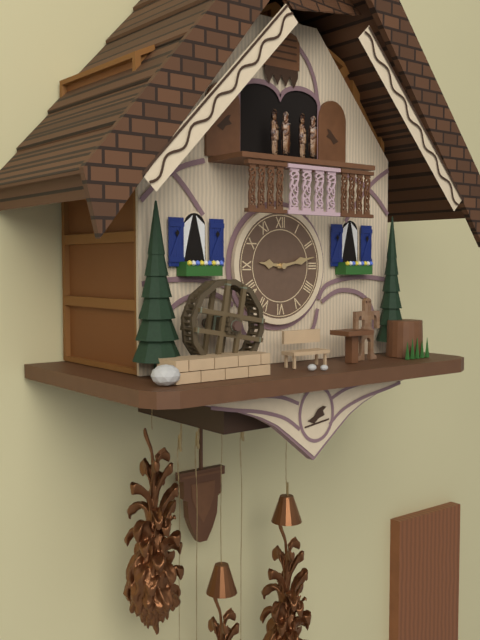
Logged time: 9:13
